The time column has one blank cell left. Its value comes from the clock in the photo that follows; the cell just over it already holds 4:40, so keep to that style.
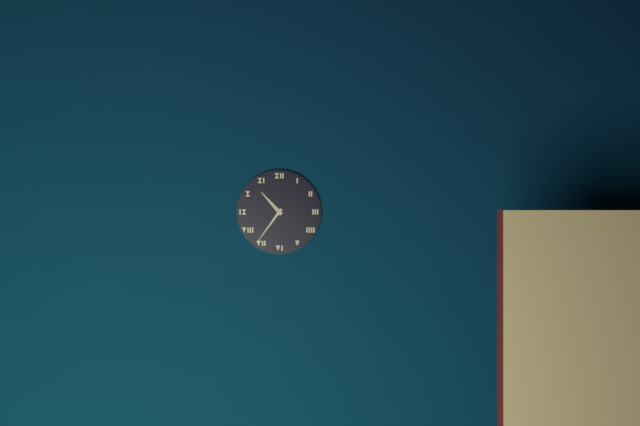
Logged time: 10:36
